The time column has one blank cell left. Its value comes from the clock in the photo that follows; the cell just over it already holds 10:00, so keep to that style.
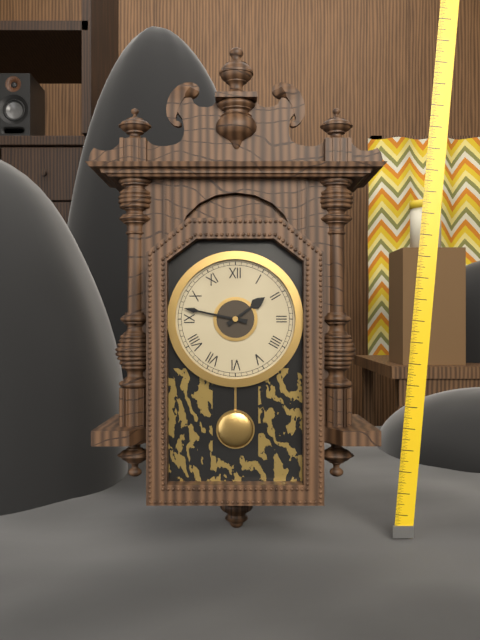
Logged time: 1:47
